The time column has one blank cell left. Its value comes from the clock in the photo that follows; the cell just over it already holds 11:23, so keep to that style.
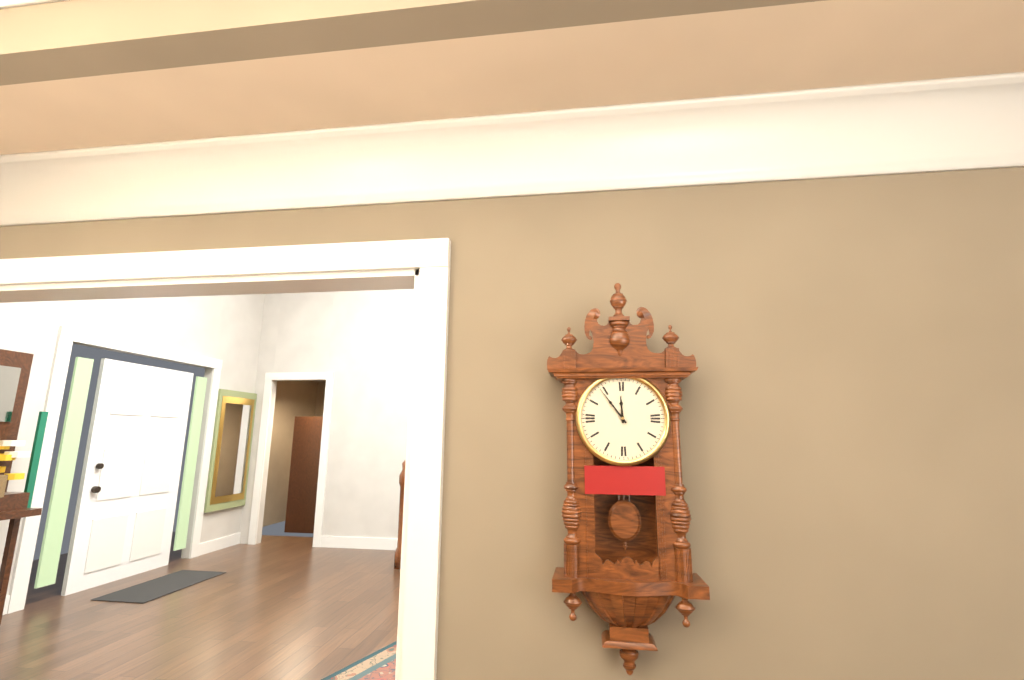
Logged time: 11:54
